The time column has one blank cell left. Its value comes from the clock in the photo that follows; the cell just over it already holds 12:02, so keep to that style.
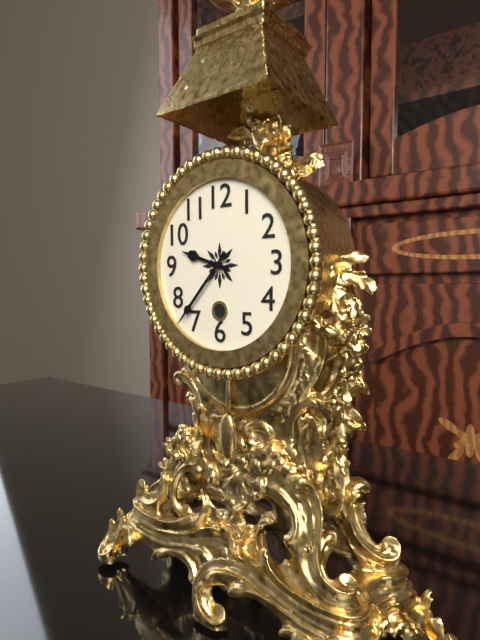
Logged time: 9:37
